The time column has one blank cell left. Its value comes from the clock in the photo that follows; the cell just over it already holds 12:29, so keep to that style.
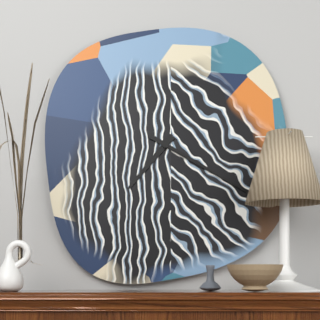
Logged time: 7:20
